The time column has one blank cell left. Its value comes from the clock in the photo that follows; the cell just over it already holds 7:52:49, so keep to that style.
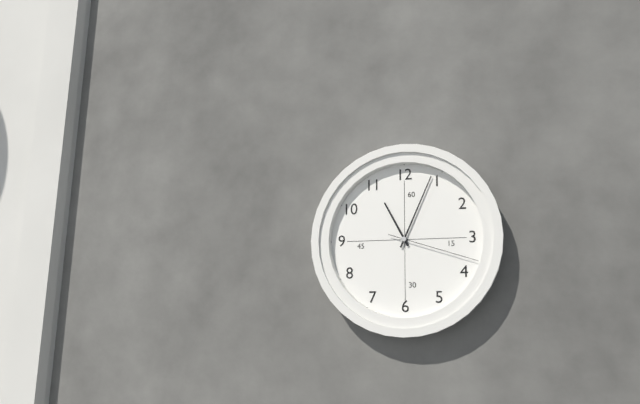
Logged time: 11:04:18
